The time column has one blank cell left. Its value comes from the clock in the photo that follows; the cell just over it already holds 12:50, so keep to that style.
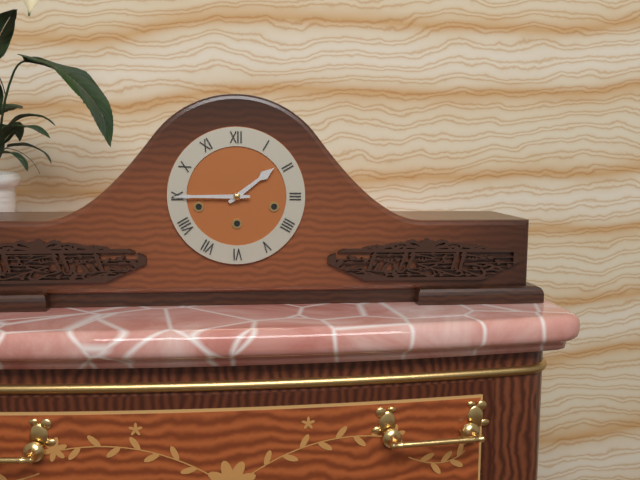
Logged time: 1:45
